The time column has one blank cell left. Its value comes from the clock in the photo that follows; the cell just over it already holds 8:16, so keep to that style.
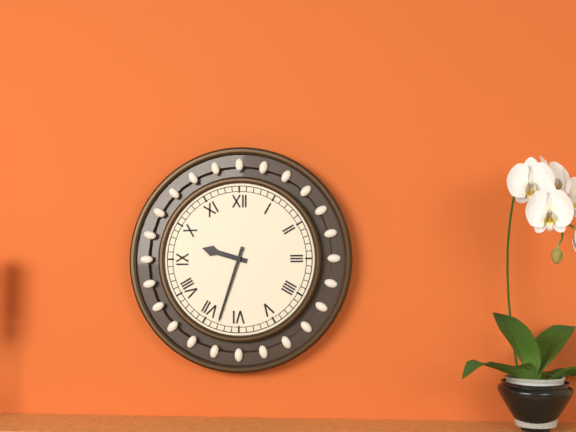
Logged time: 9:33
